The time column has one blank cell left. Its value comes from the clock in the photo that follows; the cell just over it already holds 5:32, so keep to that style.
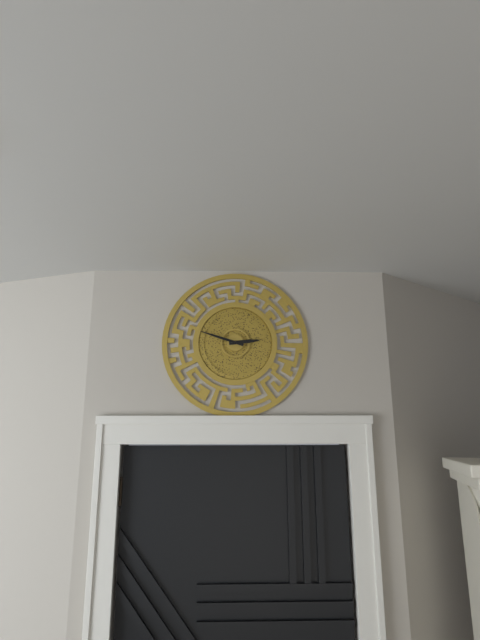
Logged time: 2:48
